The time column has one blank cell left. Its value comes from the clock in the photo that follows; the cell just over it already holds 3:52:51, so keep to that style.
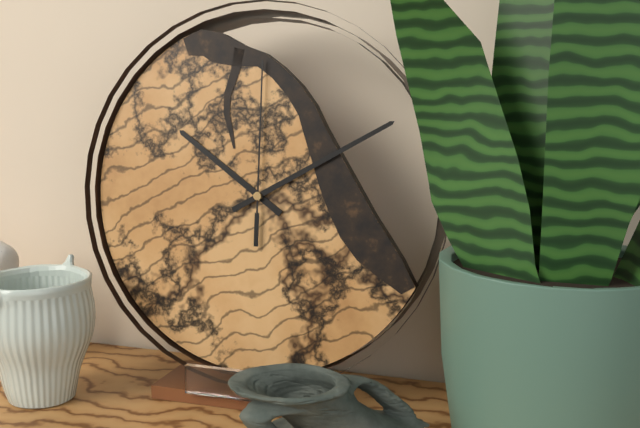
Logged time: 10:10:00
